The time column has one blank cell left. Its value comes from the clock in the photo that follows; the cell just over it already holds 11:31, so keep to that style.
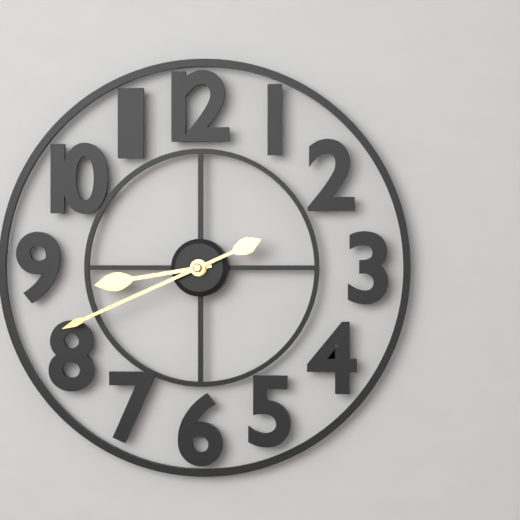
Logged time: 8:41
